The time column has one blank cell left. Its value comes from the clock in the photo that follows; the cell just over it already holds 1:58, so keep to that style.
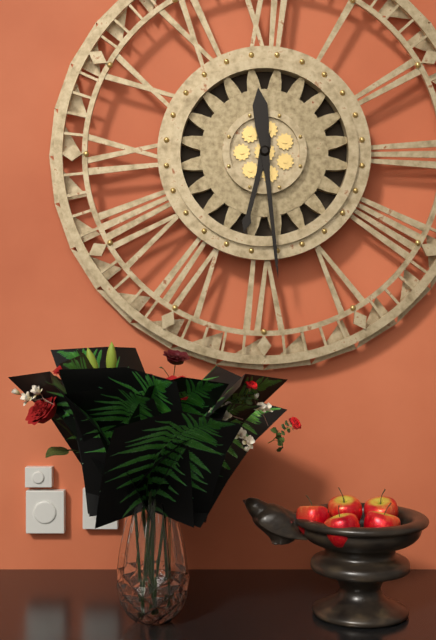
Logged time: 6:29
